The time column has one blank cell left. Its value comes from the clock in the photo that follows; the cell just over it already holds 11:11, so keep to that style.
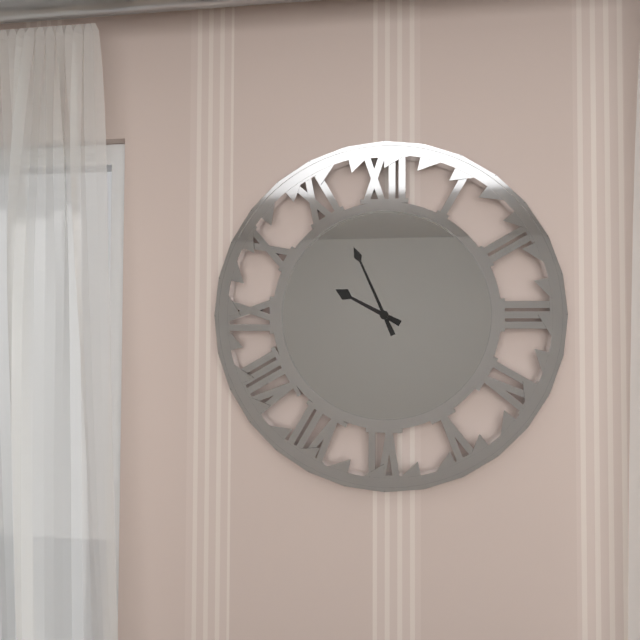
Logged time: 9:56
